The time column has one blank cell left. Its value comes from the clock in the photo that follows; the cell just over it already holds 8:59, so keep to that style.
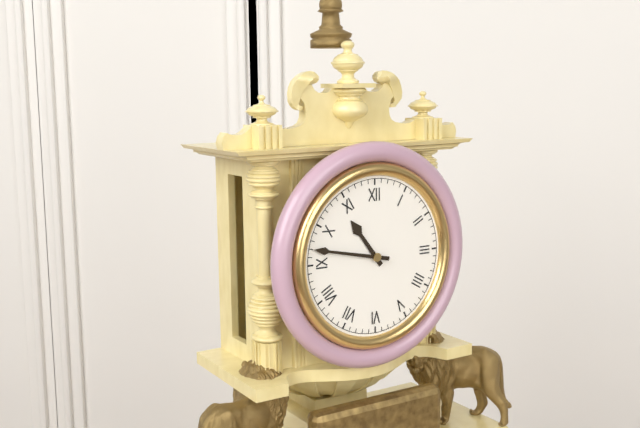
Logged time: 10:47
